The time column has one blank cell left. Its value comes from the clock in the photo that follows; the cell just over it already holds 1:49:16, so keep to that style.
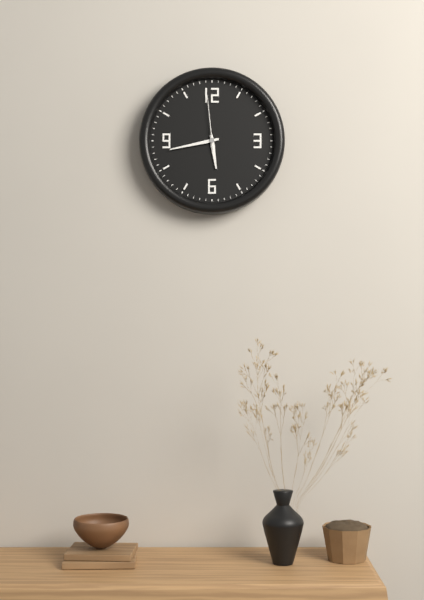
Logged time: 5:43:59
